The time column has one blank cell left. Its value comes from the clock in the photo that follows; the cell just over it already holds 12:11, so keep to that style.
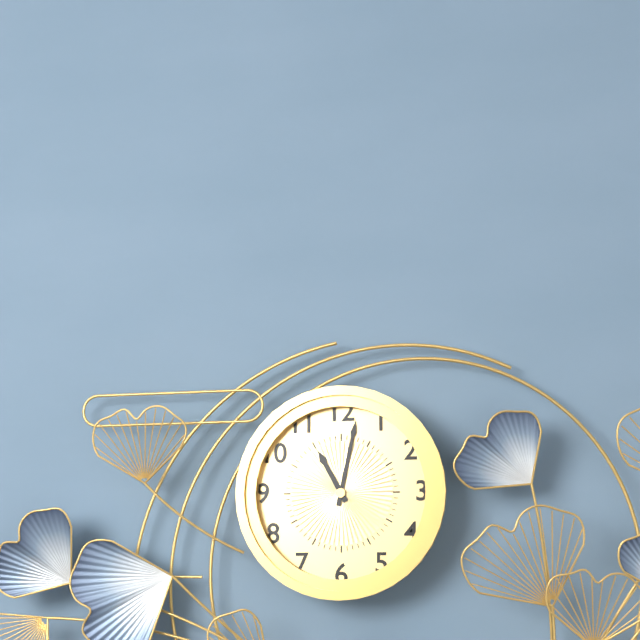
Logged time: 11:02
